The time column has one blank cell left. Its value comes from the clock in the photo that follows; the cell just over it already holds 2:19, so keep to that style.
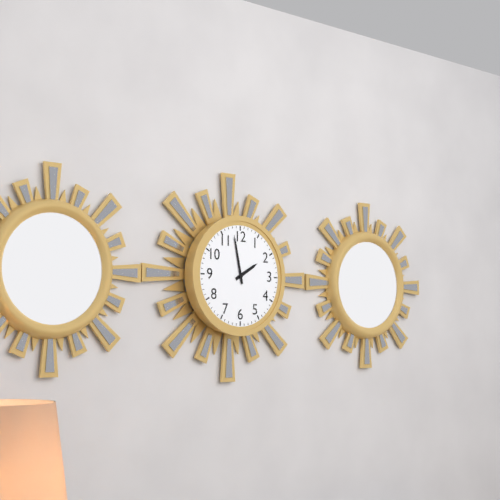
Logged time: 1:58
